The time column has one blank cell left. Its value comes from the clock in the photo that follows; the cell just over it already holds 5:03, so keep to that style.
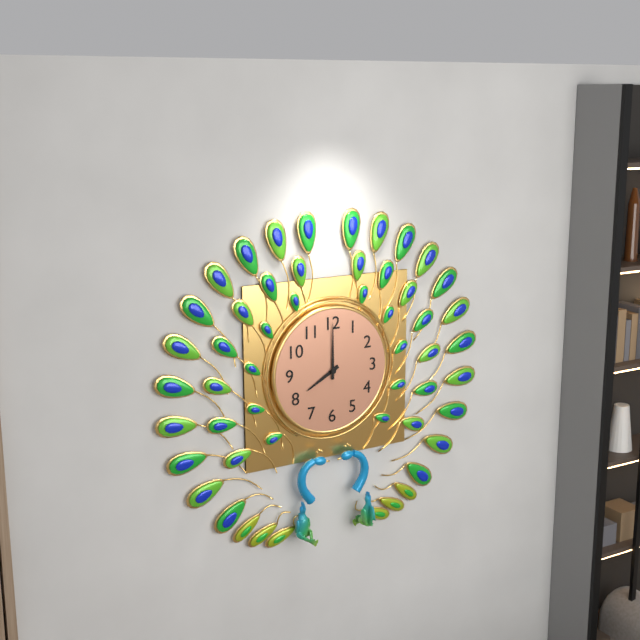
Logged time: 8:00
